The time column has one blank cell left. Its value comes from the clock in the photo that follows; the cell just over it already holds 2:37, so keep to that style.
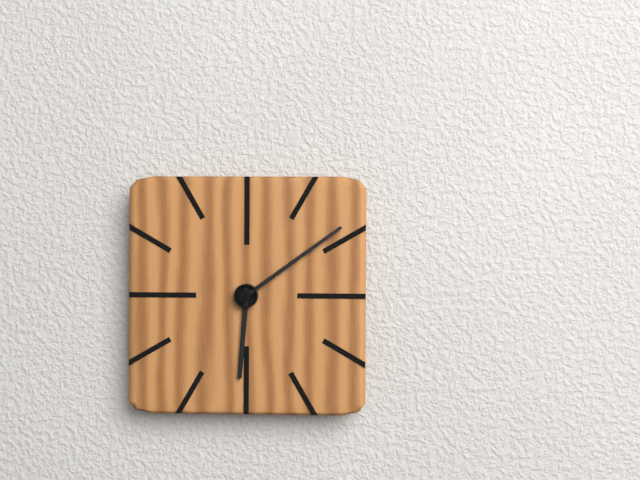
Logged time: 6:09
